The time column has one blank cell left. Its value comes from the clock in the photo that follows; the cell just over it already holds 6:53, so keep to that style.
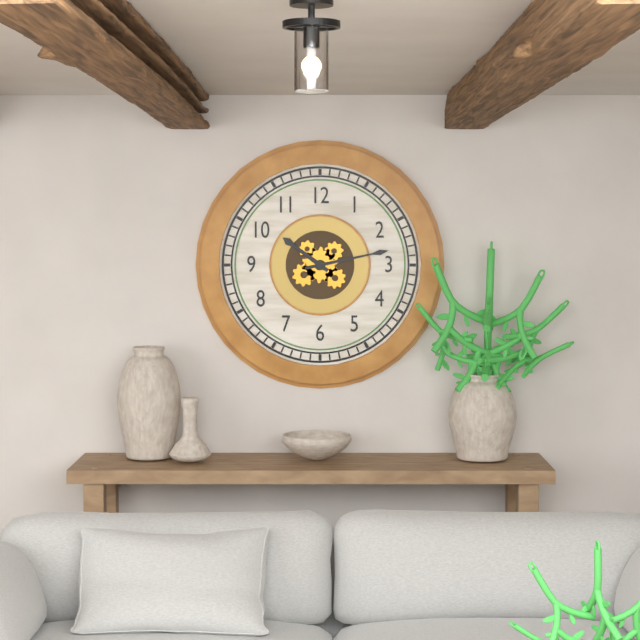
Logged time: 10:13
